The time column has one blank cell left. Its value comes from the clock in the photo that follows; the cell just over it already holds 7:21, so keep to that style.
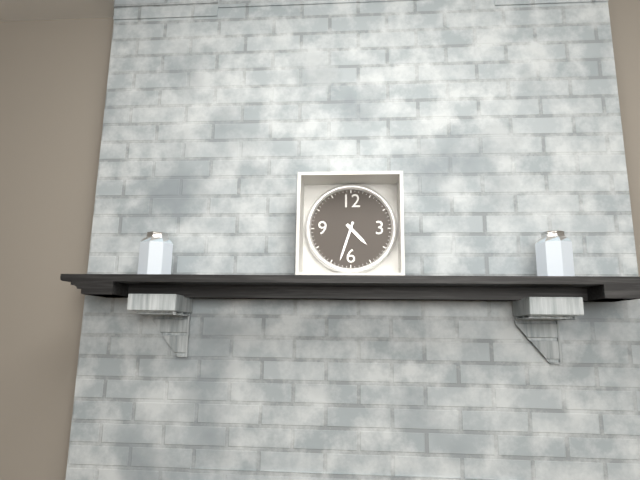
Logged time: 4:33
